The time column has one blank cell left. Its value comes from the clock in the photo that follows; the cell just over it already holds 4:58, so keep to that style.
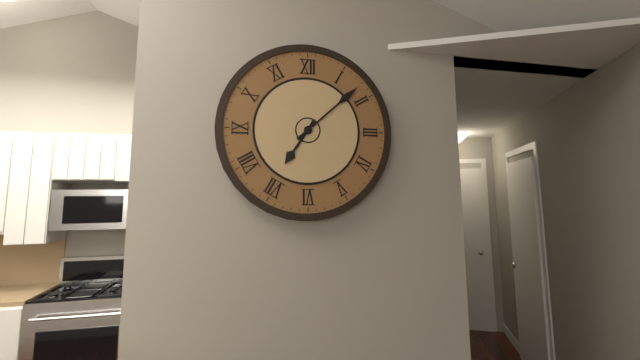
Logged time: 7:08
